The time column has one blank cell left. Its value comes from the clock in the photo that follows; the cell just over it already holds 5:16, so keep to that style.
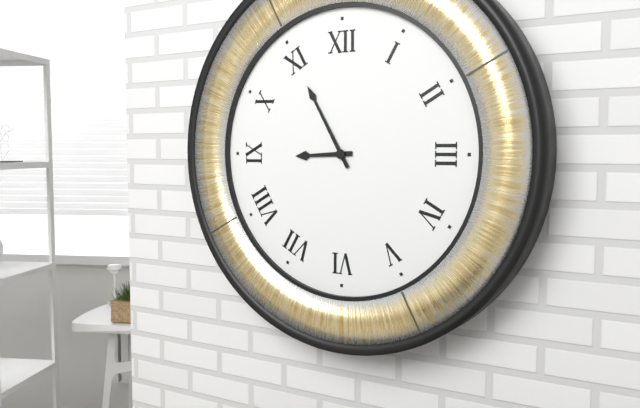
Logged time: 8:55
